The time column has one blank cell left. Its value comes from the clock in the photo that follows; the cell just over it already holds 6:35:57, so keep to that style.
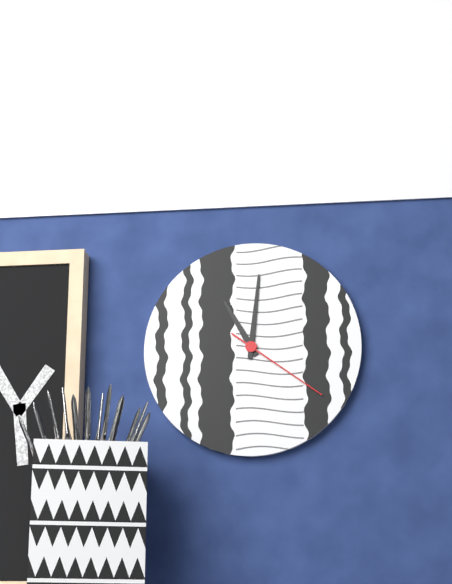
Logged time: 11:01:21
